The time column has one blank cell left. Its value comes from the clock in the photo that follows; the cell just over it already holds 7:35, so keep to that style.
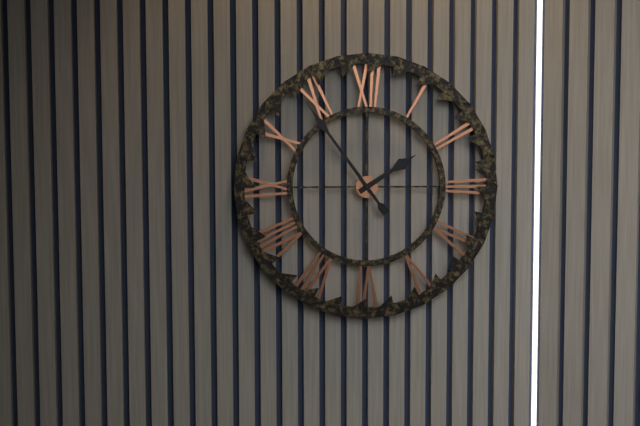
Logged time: 1:54
